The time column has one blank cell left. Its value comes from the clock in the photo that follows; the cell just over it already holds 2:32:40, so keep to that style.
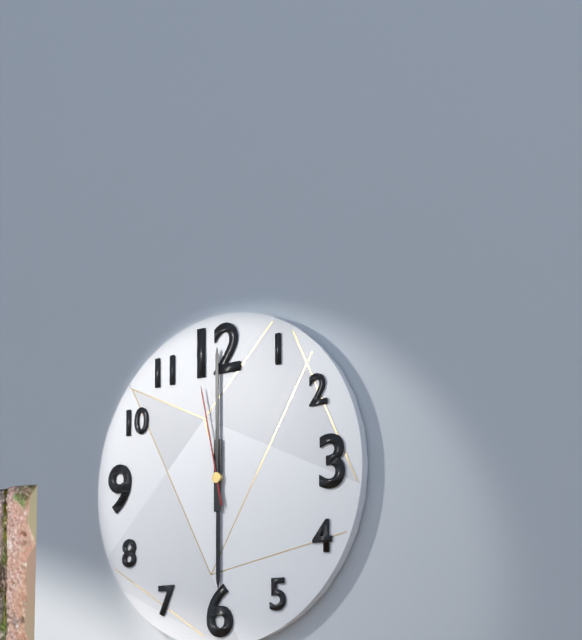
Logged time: 6:00:58
